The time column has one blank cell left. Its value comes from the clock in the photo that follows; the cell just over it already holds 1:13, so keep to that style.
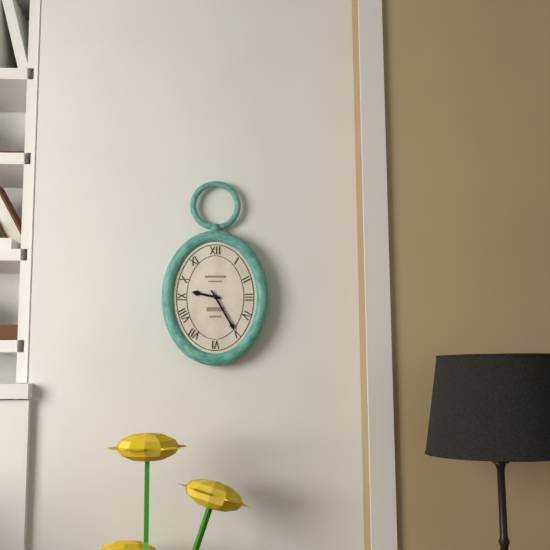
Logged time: 9:25
